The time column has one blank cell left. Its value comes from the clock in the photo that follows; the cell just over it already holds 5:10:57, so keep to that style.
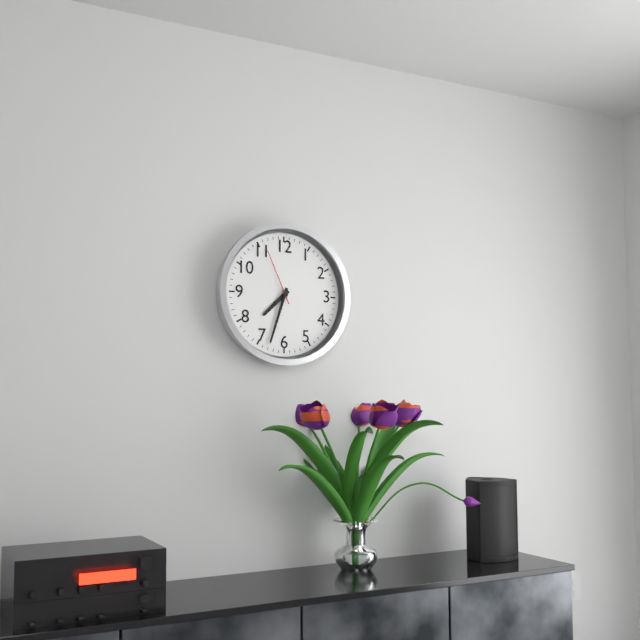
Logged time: 7:33:56
